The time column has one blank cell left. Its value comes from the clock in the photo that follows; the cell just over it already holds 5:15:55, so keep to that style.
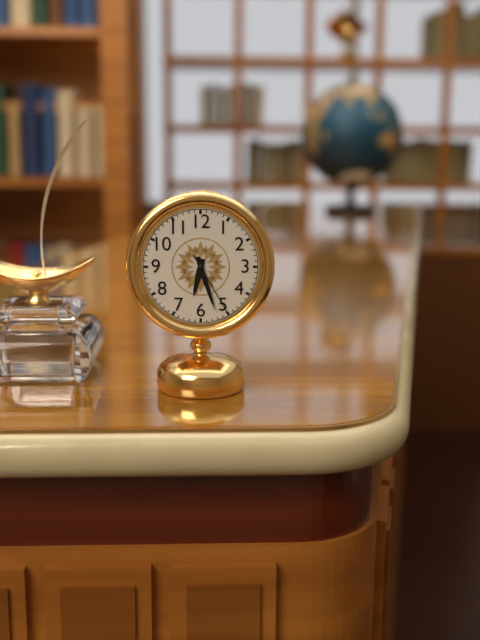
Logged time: 6:27:25
